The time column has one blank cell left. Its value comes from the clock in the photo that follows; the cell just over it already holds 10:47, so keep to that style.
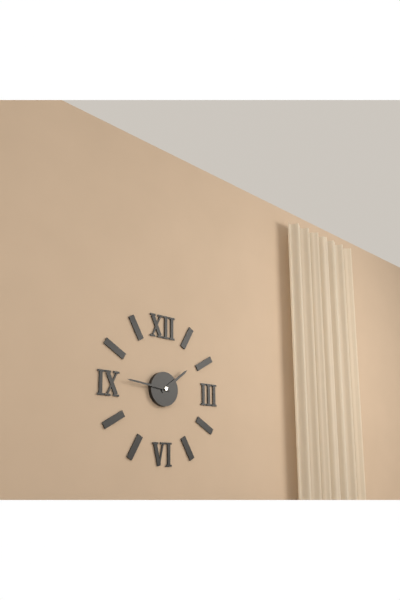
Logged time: 1:46
